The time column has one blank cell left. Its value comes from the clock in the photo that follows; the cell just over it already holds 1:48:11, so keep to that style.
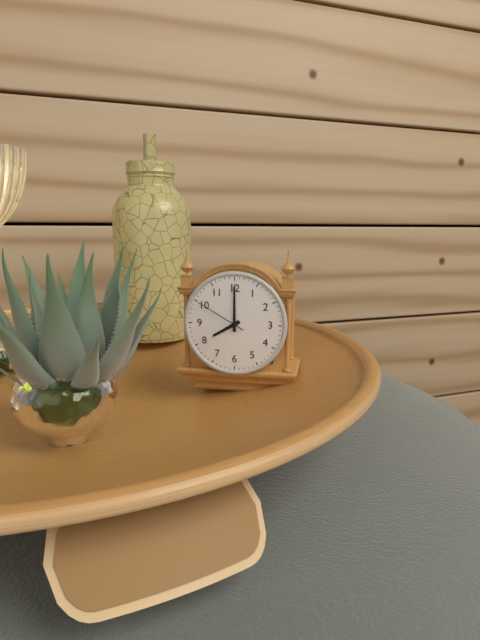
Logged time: 8:00:50
